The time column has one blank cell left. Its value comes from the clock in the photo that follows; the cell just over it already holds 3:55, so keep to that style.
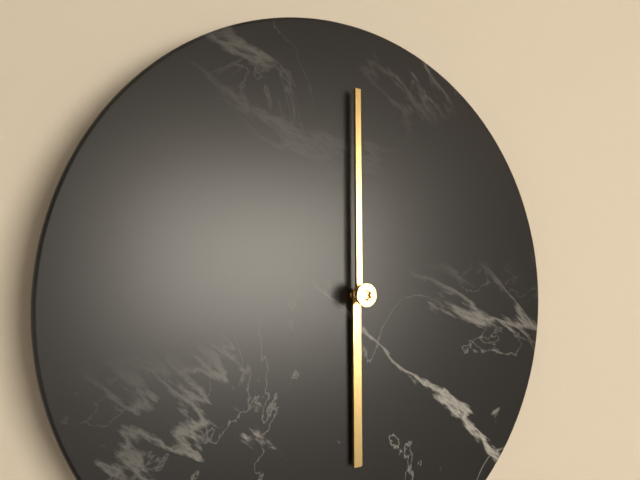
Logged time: 6:00
